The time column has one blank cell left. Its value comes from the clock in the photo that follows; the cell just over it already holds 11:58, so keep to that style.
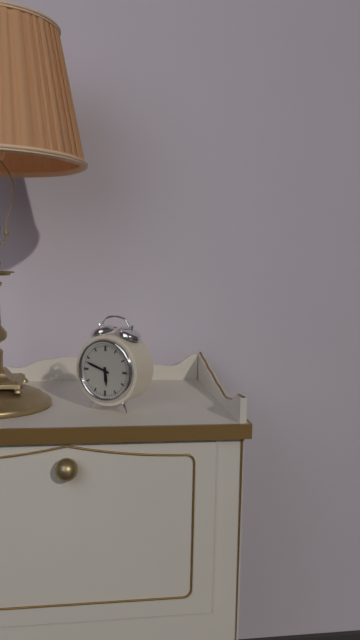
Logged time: 5:48
